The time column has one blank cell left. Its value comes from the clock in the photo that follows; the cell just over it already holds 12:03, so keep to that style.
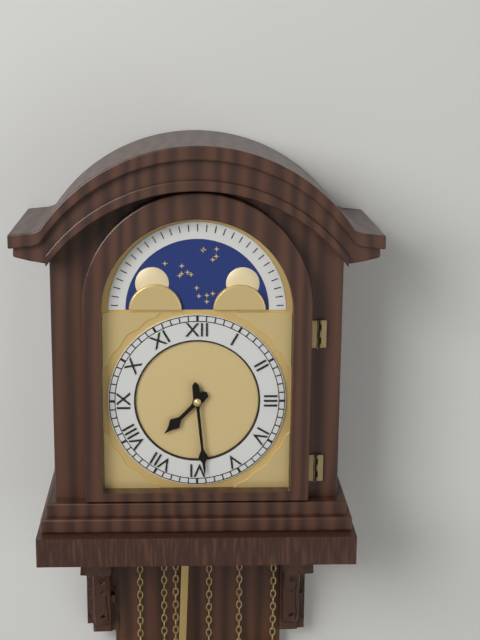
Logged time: 7:29
